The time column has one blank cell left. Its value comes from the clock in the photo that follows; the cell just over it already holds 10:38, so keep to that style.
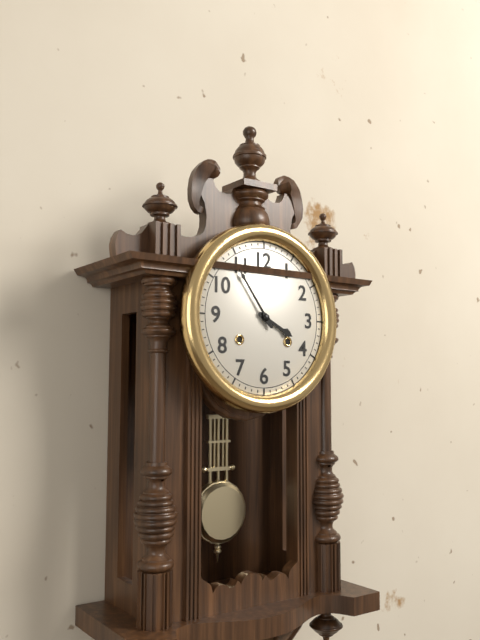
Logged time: 3:54
